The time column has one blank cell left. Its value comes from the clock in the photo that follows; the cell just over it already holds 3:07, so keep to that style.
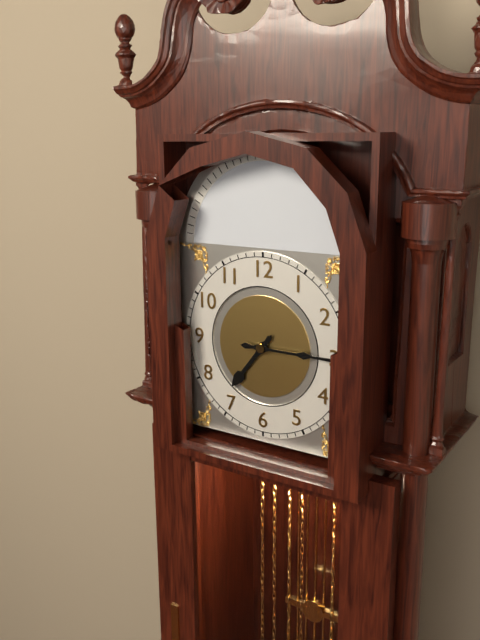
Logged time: 7:15
